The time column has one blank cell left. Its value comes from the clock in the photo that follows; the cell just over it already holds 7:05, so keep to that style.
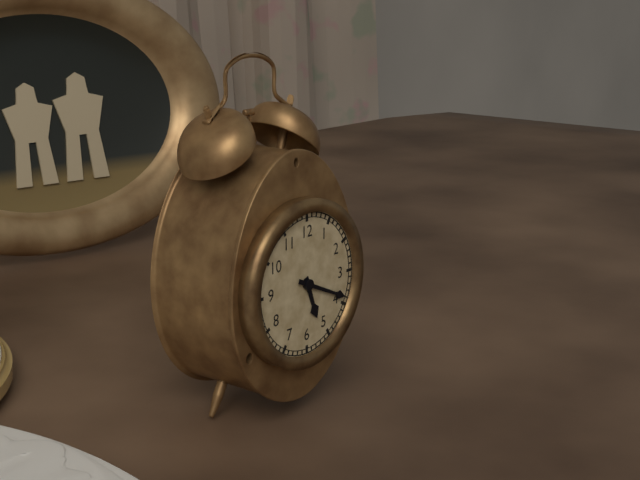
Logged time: 5:19
